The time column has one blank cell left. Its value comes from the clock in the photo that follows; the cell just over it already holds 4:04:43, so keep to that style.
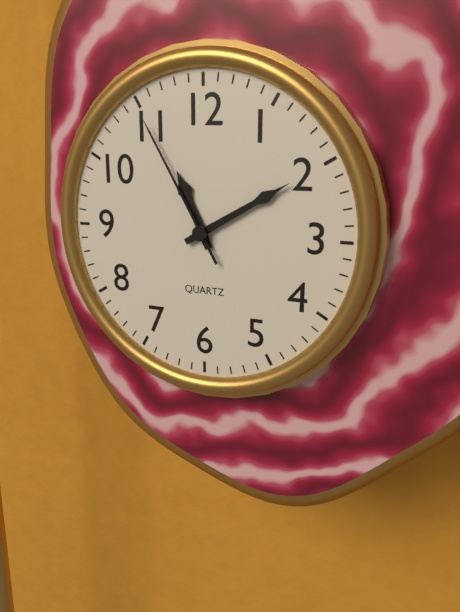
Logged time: 11:10:55
